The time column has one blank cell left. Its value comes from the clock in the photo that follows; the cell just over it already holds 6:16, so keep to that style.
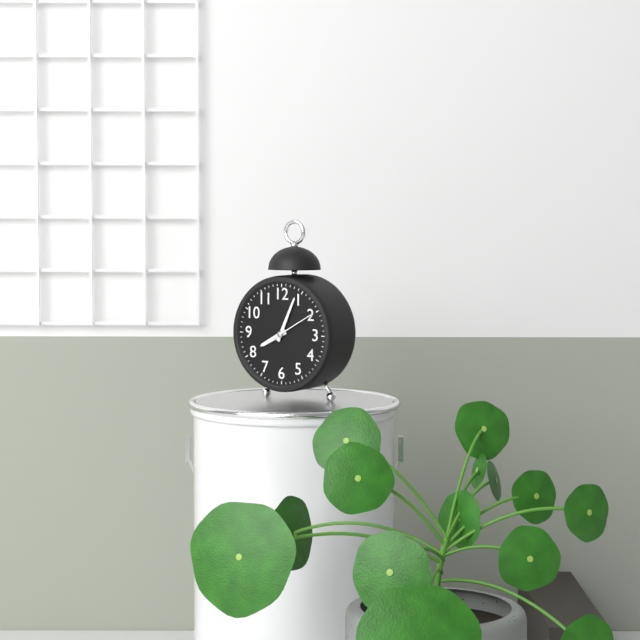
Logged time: 8:04
